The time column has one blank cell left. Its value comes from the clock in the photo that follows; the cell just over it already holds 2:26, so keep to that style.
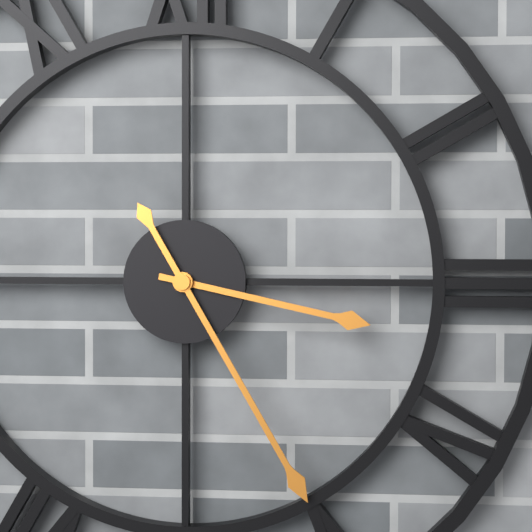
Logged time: 3:25
